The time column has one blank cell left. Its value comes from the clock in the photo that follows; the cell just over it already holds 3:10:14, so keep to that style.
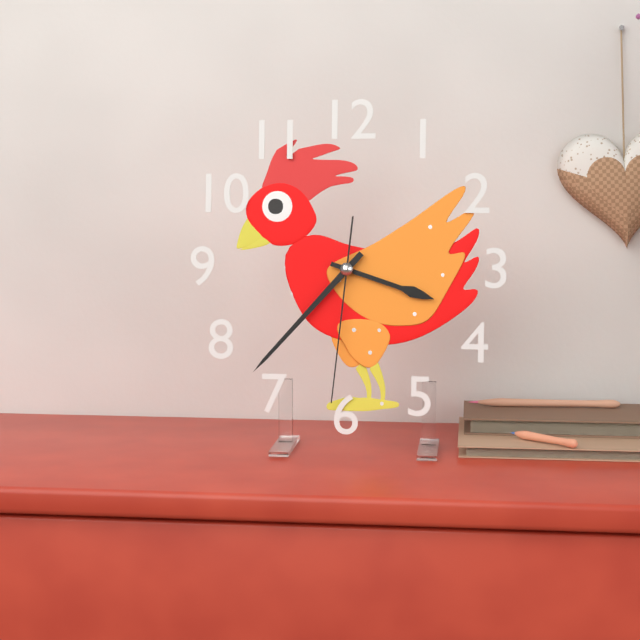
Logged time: 3:37:31
